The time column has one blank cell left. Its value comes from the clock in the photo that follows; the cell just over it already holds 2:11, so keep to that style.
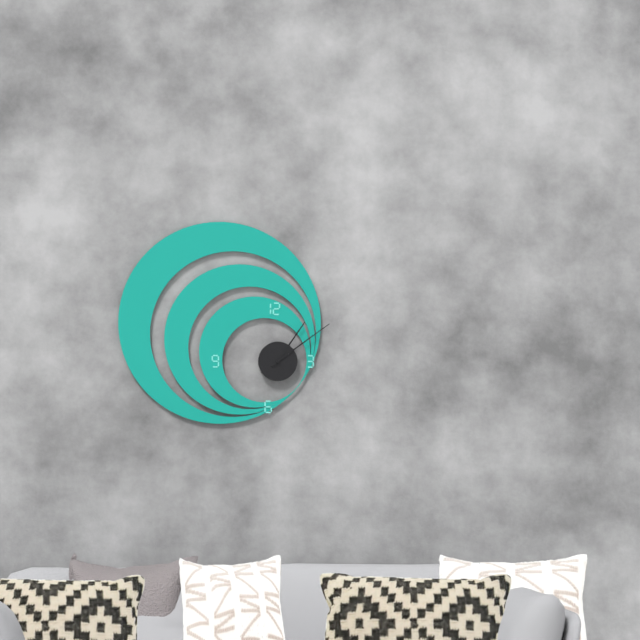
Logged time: 1:09
